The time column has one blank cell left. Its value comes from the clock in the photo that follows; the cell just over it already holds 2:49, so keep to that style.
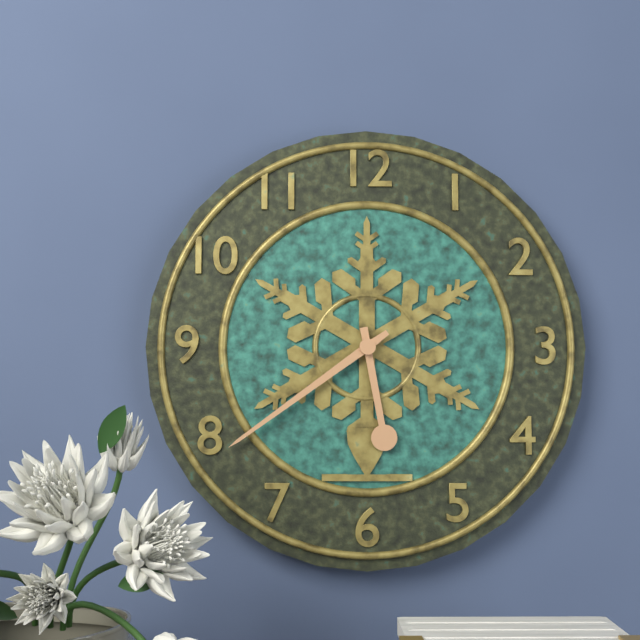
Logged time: 5:39
